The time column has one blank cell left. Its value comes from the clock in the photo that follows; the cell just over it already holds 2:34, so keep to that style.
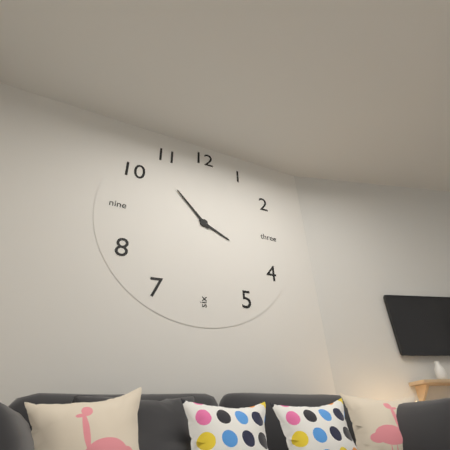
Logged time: 3:53
